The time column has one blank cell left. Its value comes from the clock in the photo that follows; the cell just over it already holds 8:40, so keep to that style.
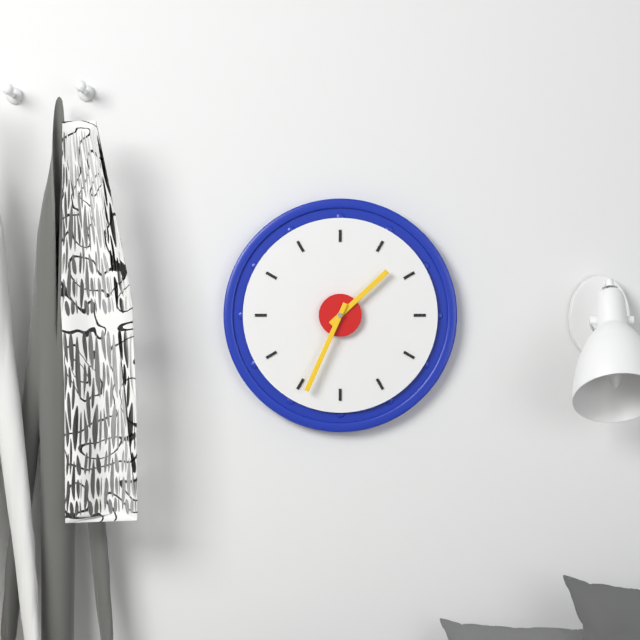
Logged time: 1:34
